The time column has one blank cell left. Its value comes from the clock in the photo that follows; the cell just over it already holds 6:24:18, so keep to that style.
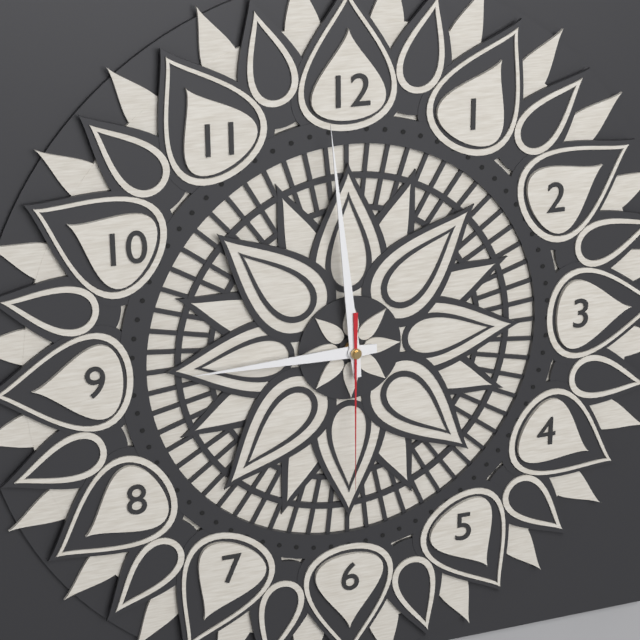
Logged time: 8:59:30
